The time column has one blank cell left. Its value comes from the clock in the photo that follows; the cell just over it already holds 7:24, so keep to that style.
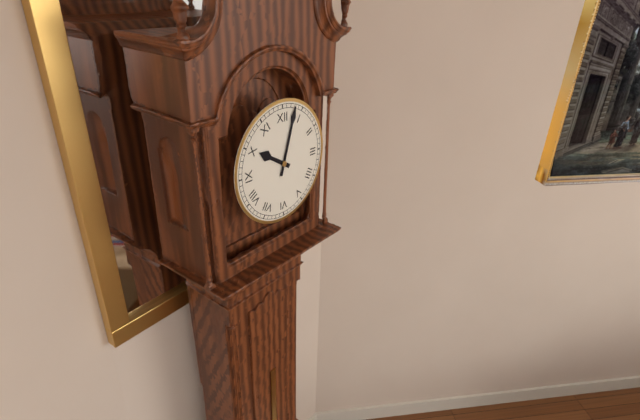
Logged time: 10:03
